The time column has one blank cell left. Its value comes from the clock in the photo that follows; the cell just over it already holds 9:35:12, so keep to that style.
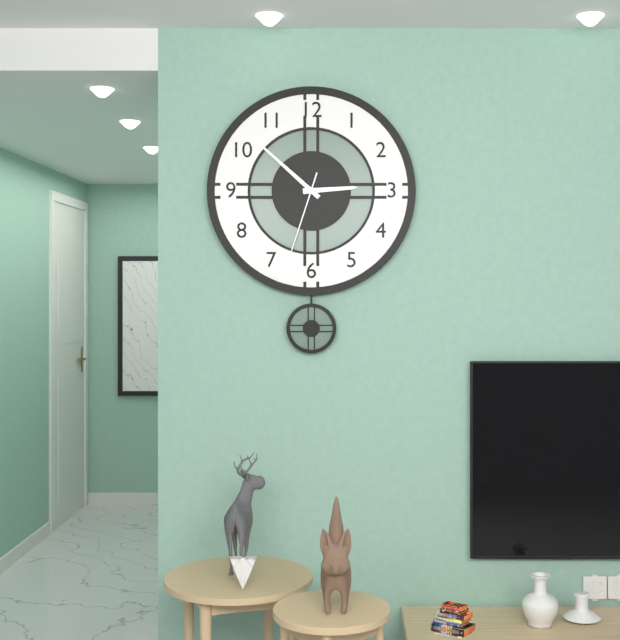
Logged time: 2:52:33
